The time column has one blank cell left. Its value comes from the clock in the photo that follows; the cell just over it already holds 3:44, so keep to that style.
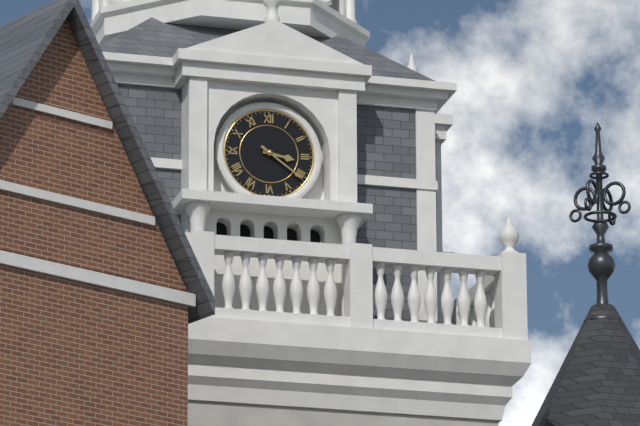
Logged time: 3:21
